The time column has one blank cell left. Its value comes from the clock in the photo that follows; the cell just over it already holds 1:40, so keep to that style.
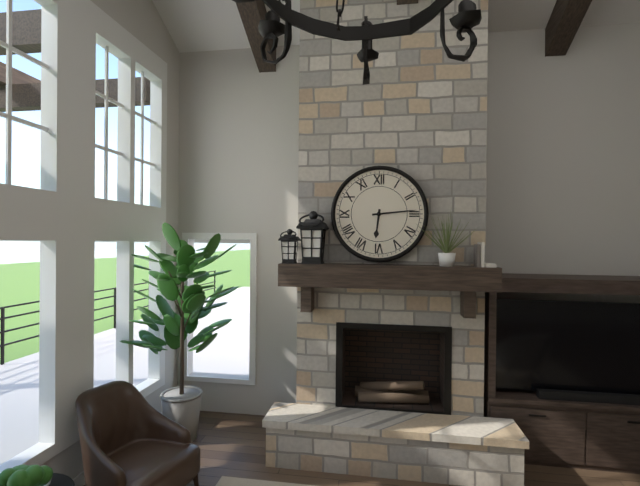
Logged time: 6:14
